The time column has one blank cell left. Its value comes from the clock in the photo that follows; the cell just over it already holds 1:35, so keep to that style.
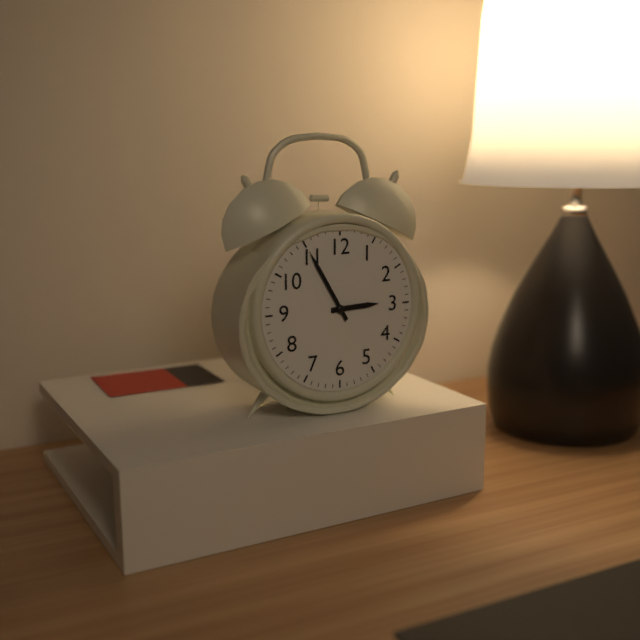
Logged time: 2:55
